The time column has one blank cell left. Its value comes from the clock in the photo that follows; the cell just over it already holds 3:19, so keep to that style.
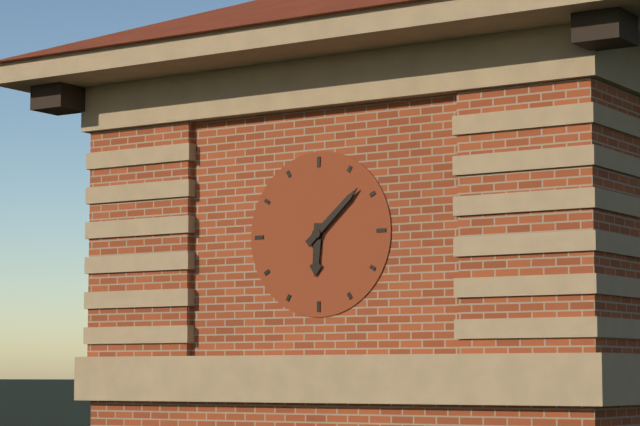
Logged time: 6:08
